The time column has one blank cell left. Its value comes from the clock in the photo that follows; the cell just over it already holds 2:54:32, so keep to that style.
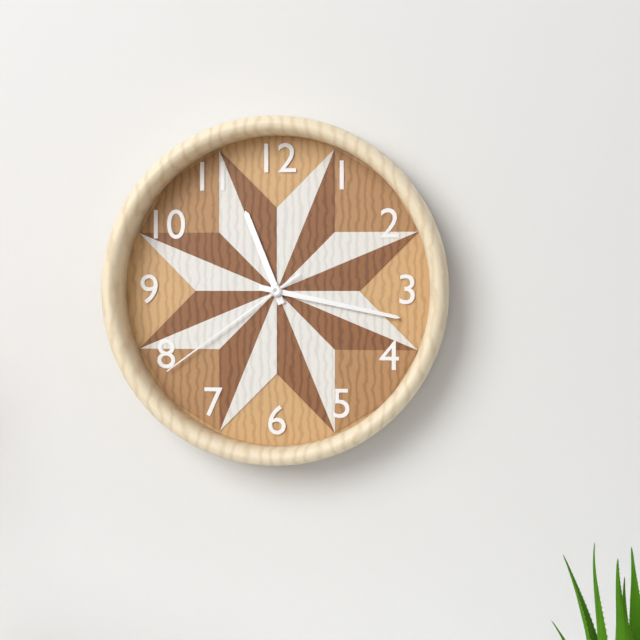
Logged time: 11:17:39
